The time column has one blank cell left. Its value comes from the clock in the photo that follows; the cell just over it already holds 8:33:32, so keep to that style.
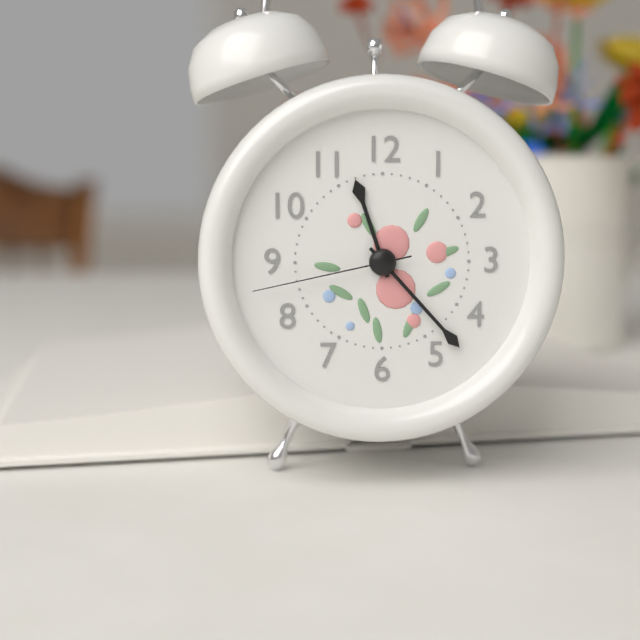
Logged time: 11:23:43
